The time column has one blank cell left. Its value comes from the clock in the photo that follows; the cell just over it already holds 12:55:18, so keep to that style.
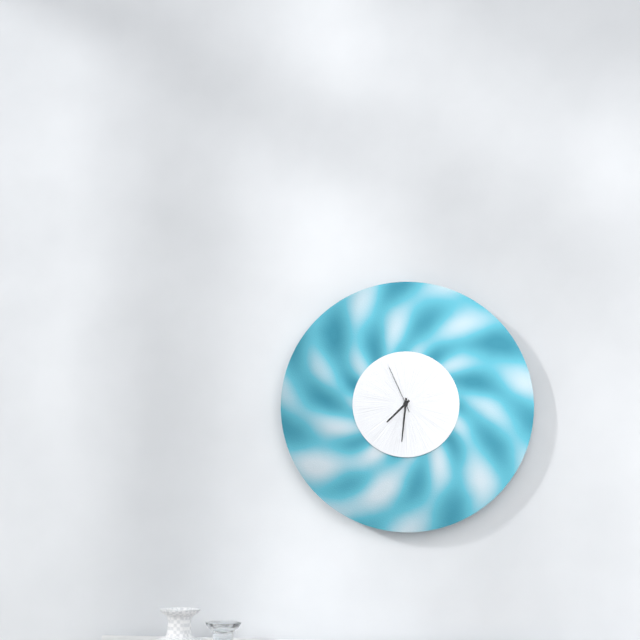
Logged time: 7:31:56
